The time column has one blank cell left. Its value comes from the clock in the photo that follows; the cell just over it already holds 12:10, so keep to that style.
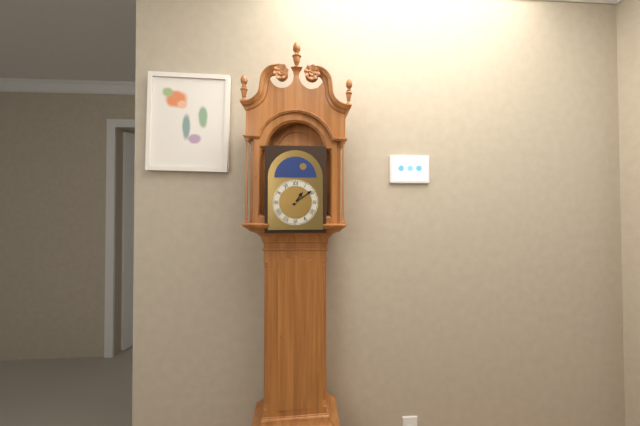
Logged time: 1:09
